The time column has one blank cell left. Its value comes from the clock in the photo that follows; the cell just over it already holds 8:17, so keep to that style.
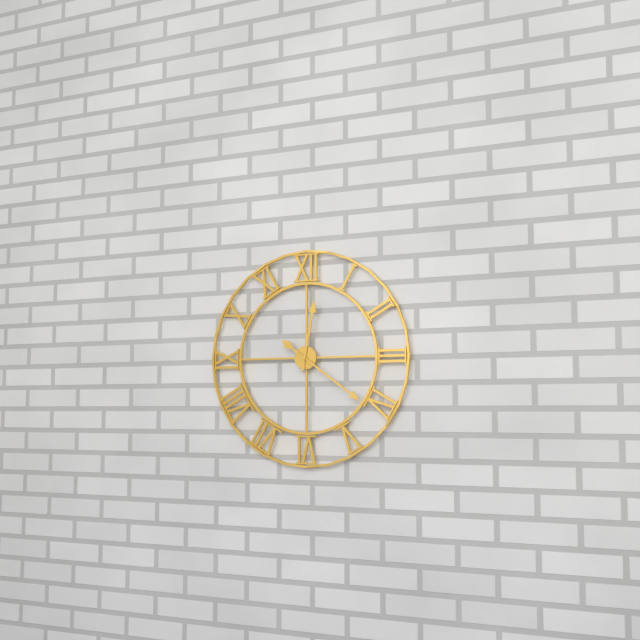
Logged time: 12:21
